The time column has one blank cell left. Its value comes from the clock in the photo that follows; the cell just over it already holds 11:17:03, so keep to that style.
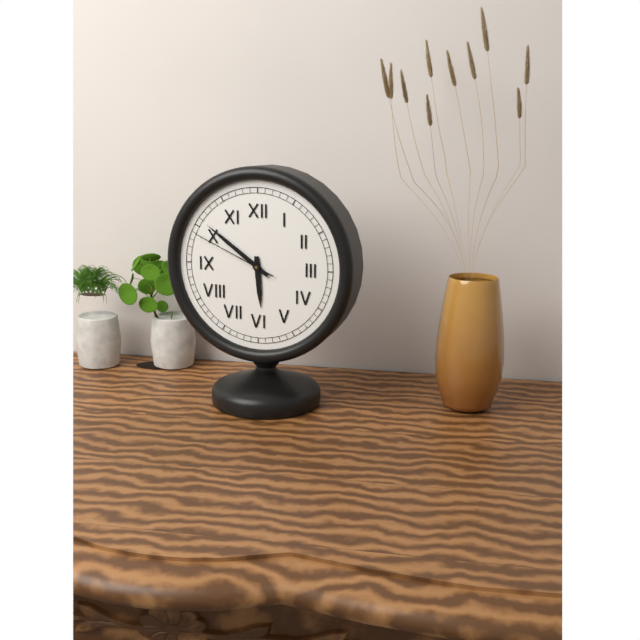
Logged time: 5:51:49
